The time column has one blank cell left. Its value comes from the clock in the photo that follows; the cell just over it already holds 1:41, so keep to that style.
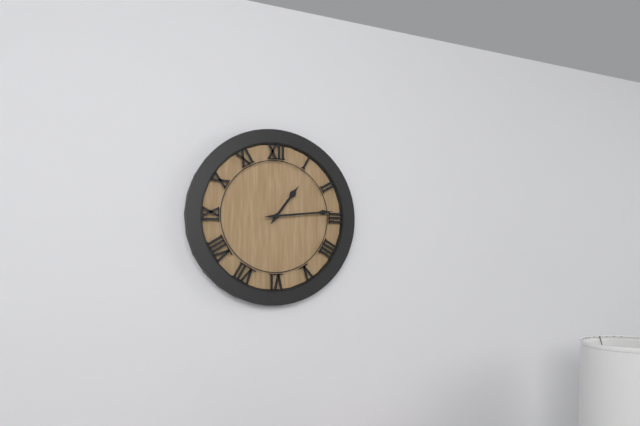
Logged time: 1:14
